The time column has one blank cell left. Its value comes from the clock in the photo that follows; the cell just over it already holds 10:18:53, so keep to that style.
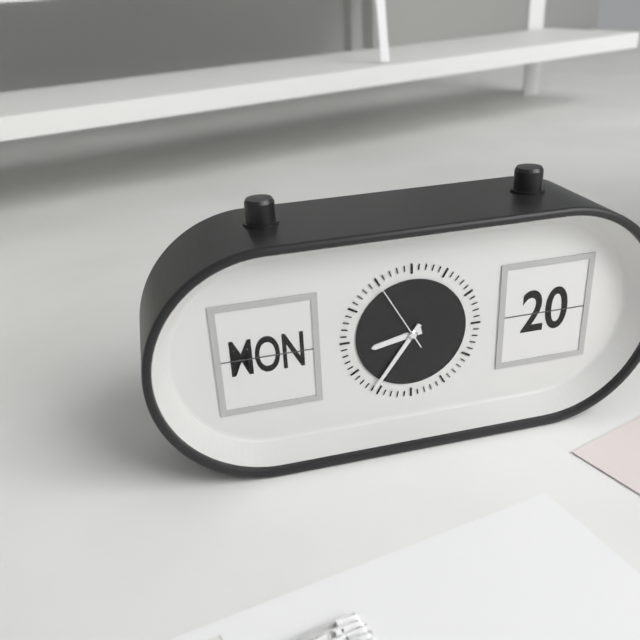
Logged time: 8:36:55
